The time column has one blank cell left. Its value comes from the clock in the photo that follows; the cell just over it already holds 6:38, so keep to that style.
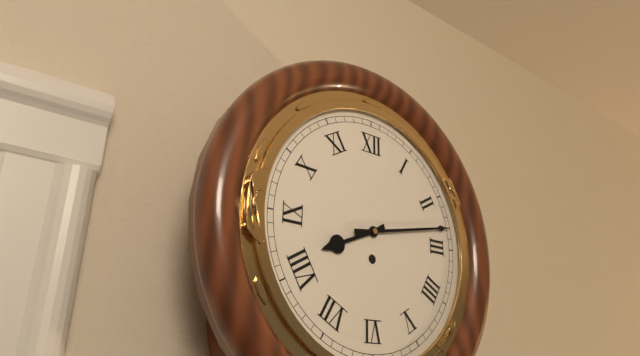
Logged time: 8:13
